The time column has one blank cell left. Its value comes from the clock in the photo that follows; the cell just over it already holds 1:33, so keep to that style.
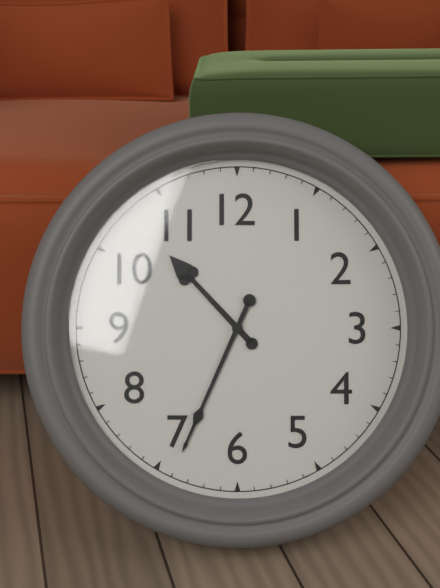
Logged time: 10:34
